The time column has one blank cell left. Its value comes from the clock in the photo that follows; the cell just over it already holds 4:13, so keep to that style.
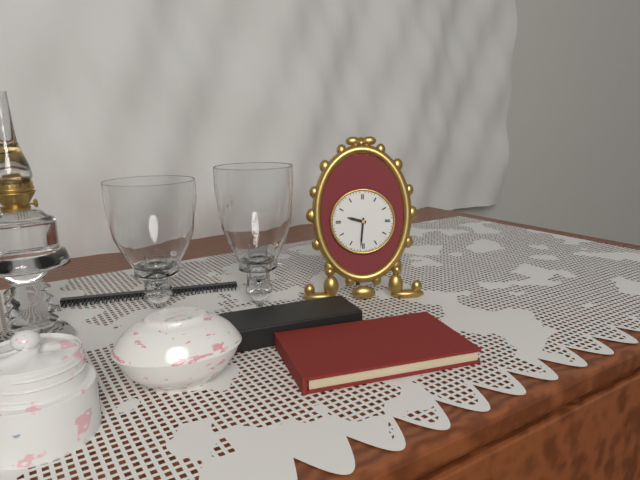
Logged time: 9:31
